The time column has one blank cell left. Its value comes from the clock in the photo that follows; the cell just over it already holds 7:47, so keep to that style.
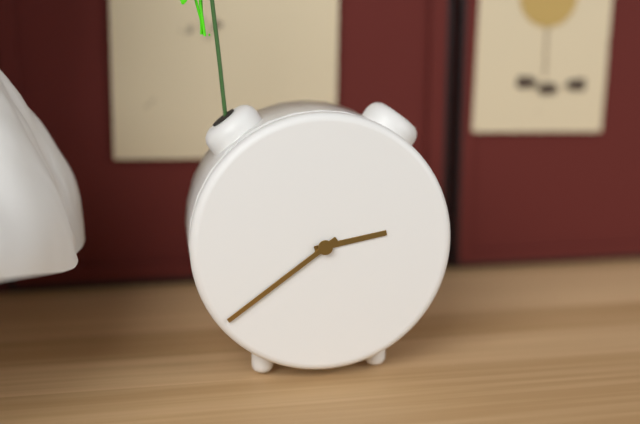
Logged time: 2:39
